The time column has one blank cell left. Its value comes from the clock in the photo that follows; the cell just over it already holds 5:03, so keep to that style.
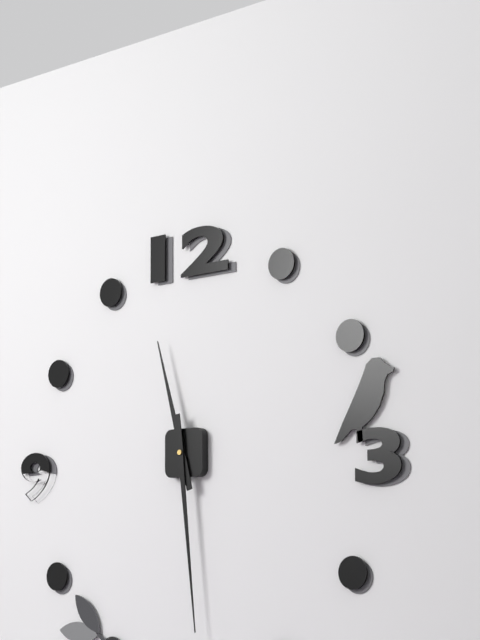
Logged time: 11:29
